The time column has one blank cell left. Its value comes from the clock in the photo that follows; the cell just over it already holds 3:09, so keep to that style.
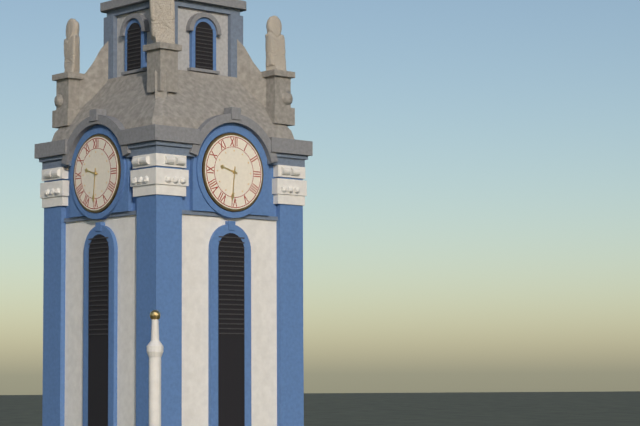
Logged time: 9:31
